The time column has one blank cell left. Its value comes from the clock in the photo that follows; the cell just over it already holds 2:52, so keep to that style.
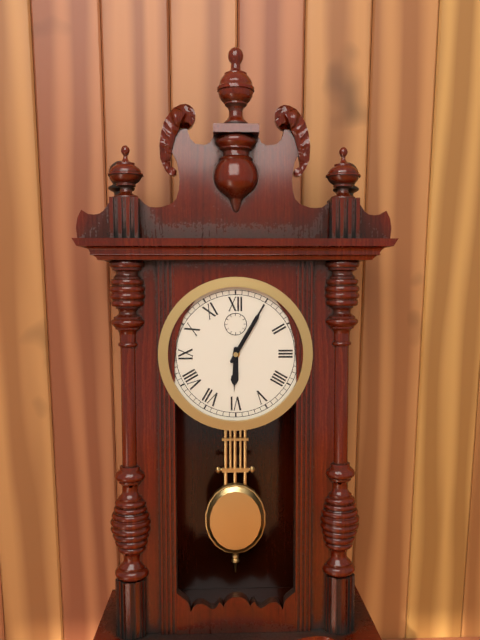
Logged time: 6:05
